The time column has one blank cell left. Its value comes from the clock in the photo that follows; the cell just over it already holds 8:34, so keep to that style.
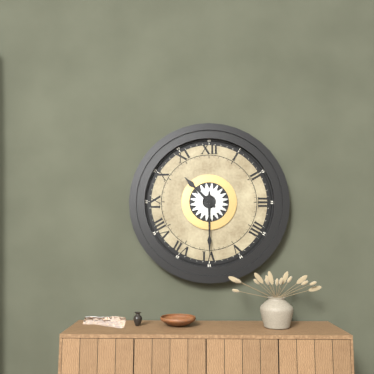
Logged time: 10:30
